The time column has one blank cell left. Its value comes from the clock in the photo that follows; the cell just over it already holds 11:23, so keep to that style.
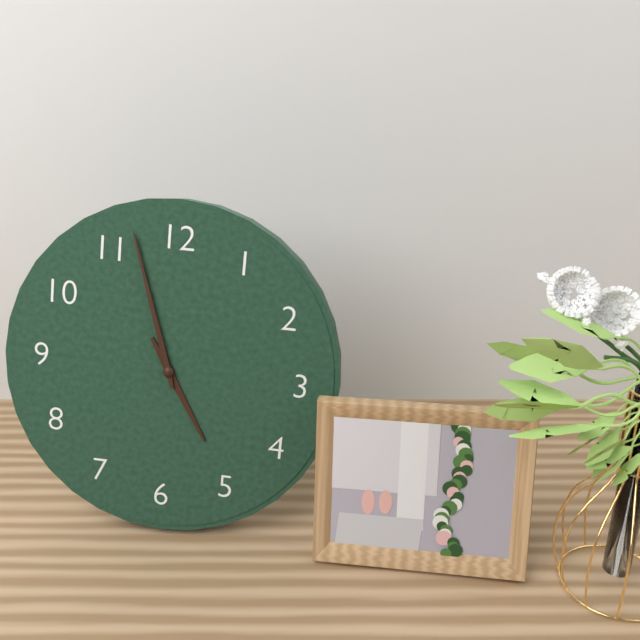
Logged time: 4:57
